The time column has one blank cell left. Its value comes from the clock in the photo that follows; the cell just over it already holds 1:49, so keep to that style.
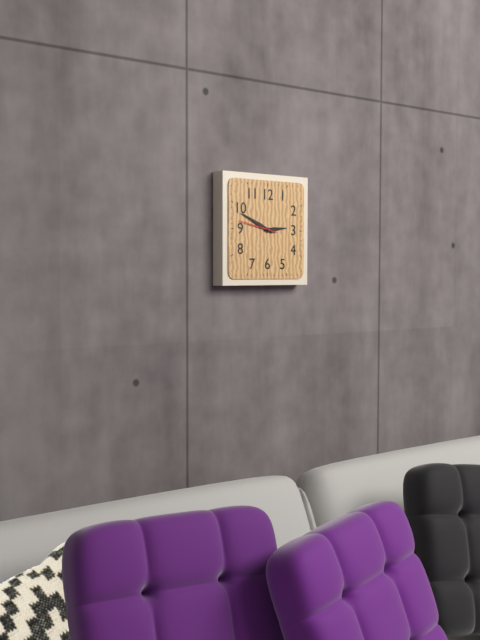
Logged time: 2:49
